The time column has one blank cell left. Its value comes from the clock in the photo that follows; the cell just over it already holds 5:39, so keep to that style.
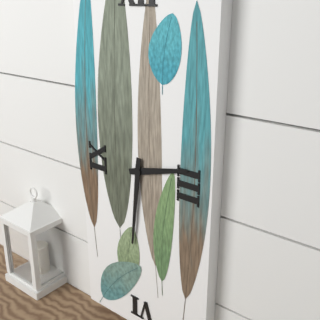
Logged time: 2:31
